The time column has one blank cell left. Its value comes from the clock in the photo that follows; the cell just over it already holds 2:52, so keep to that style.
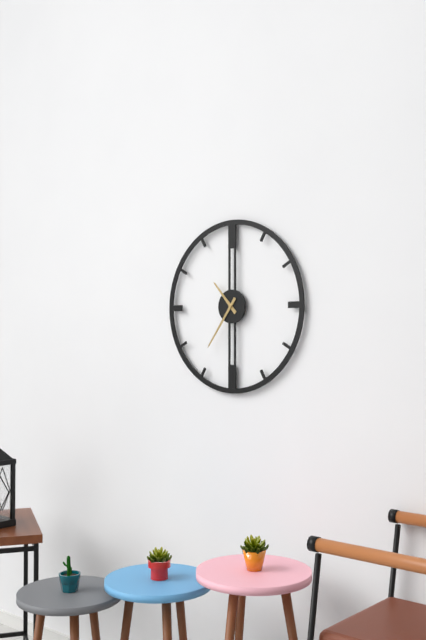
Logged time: 10:36
